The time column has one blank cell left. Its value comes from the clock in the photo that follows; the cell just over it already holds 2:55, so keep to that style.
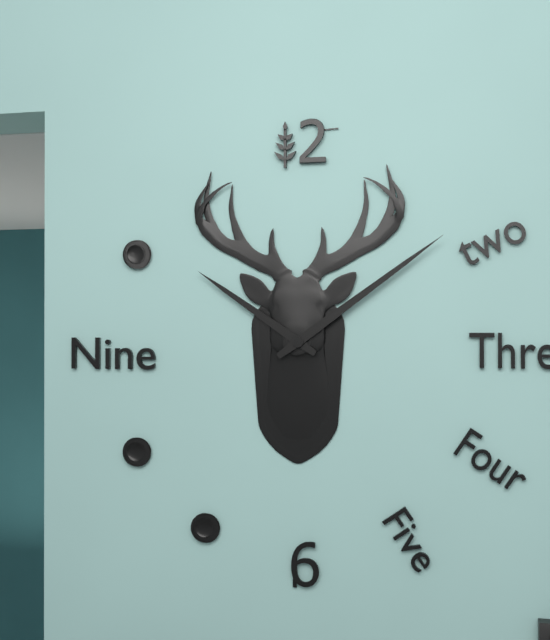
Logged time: 10:09
